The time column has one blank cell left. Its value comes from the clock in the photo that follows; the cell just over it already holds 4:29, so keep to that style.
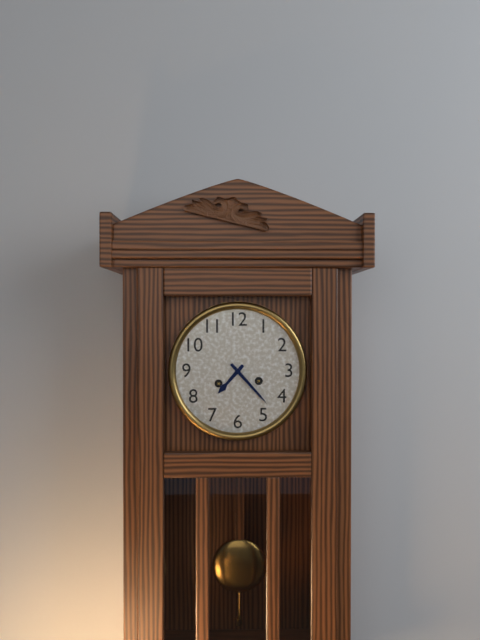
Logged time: 7:23
